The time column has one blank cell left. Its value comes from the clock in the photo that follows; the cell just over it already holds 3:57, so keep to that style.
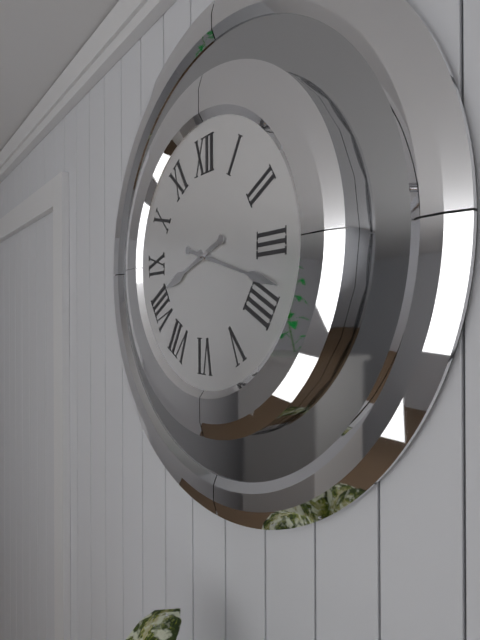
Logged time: 8:18
